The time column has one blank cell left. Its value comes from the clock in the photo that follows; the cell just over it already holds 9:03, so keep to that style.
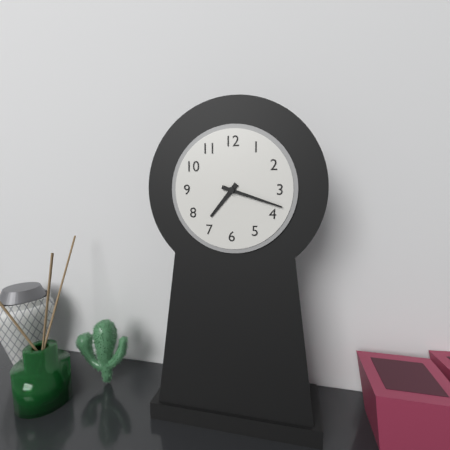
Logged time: 7:18
